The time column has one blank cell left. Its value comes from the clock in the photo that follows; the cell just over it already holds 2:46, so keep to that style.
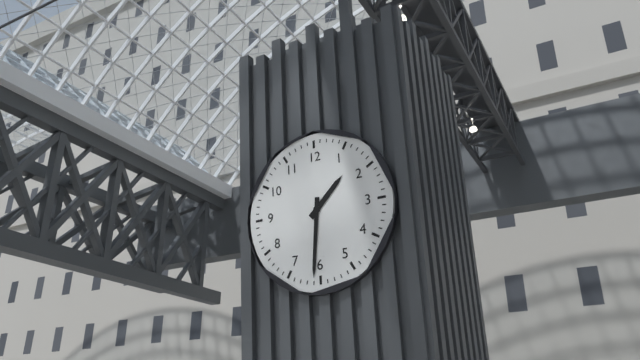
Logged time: 1:31
